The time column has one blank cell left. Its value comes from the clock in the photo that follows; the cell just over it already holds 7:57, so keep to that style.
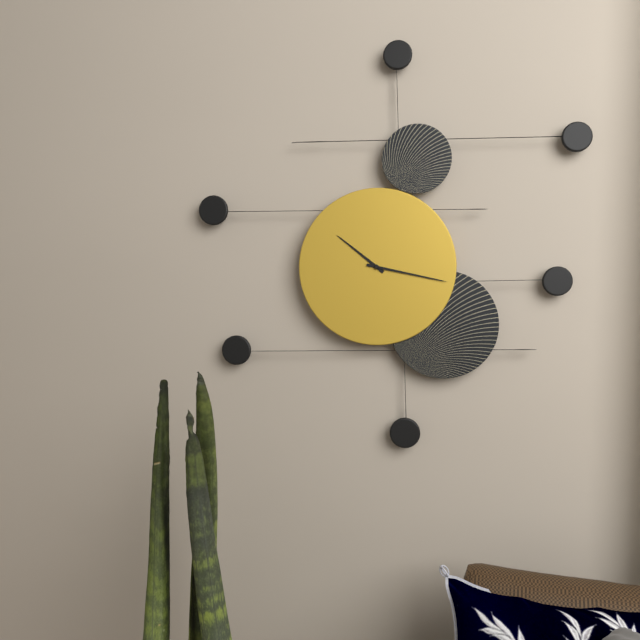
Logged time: 10:17
